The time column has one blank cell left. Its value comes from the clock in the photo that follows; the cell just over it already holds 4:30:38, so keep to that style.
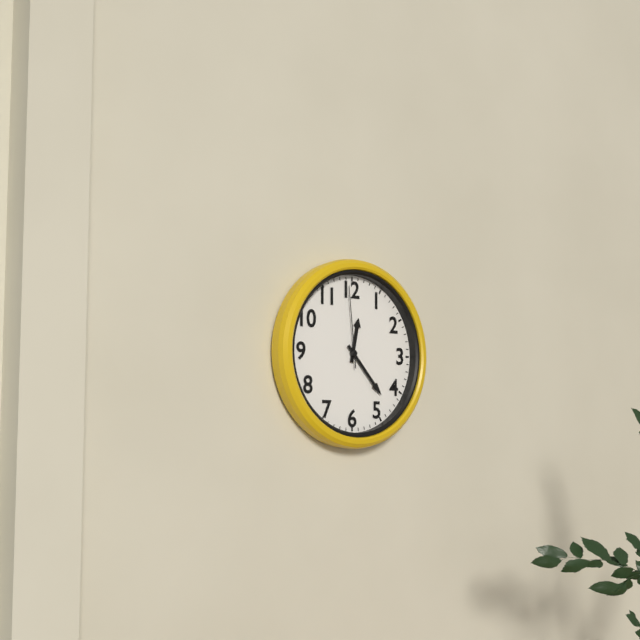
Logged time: 12:23:59
